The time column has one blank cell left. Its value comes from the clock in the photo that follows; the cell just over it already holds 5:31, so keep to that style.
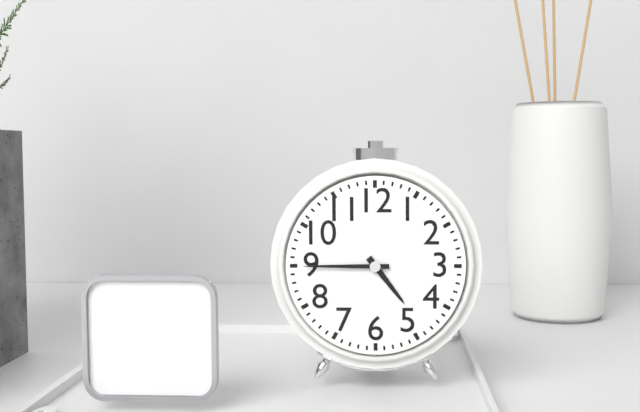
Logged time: 4:45
